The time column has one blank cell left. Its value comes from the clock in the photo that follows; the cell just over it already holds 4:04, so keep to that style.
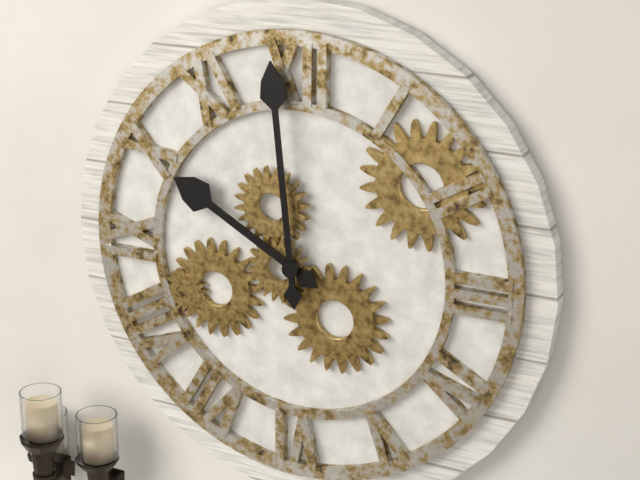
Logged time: 9:59
